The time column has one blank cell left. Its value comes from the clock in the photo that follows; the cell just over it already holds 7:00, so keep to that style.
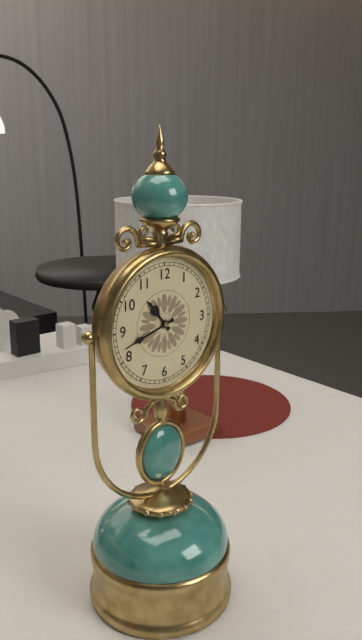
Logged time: 10:42
